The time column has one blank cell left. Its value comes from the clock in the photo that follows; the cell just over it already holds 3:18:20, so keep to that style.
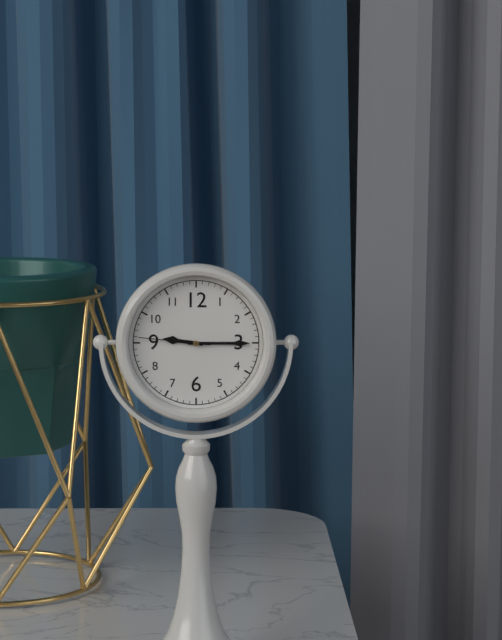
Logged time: 9:15:46
